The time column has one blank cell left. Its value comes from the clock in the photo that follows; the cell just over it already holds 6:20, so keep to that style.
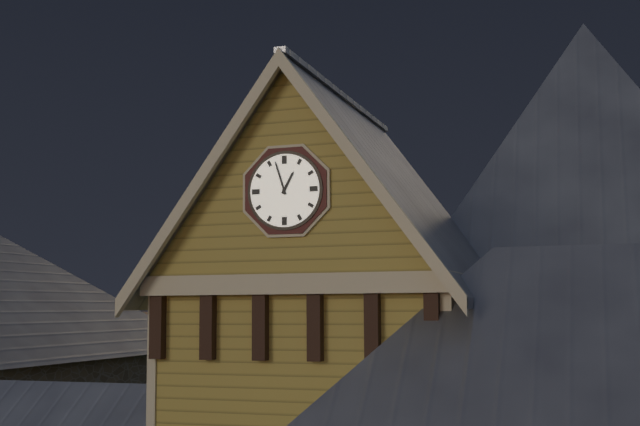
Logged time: 12:57
